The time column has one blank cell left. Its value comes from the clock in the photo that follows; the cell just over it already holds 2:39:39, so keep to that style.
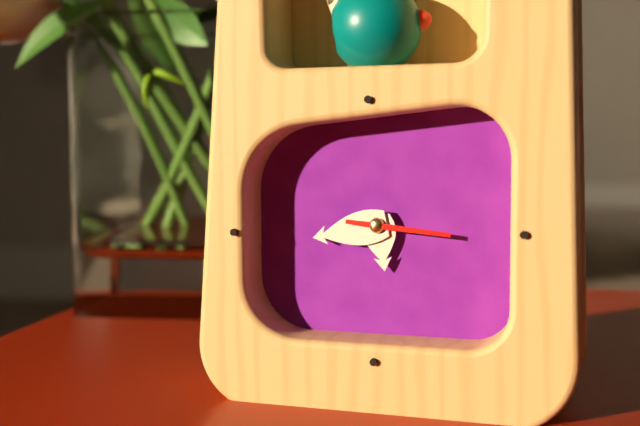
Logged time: 5:43:16
